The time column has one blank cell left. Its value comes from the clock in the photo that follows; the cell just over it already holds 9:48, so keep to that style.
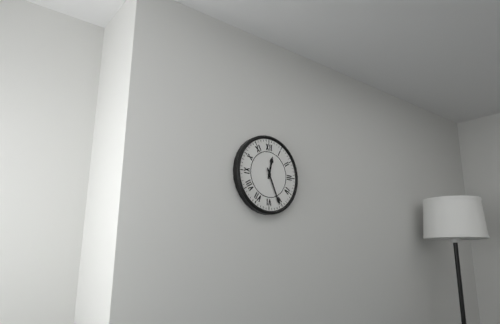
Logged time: 12:26
